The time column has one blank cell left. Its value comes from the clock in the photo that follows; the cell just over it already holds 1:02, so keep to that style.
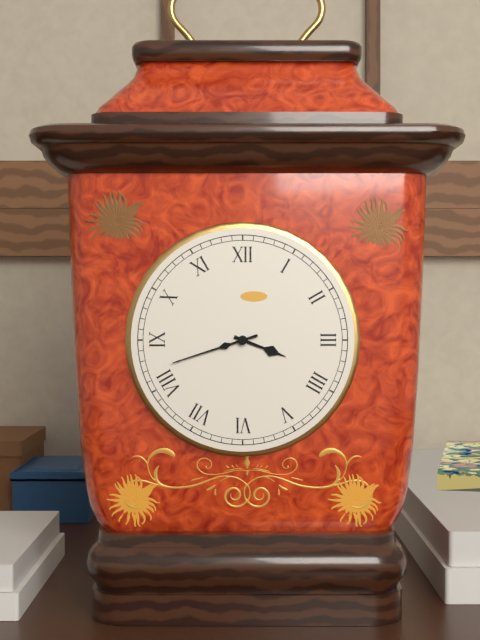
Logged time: 3:42
